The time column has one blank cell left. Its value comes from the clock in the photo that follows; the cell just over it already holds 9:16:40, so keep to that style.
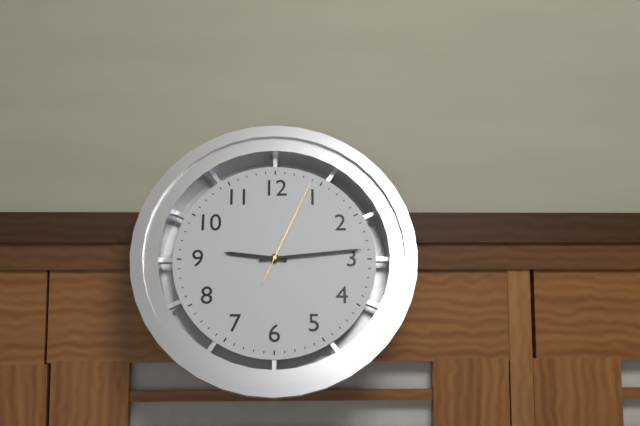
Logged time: 9:14:04
